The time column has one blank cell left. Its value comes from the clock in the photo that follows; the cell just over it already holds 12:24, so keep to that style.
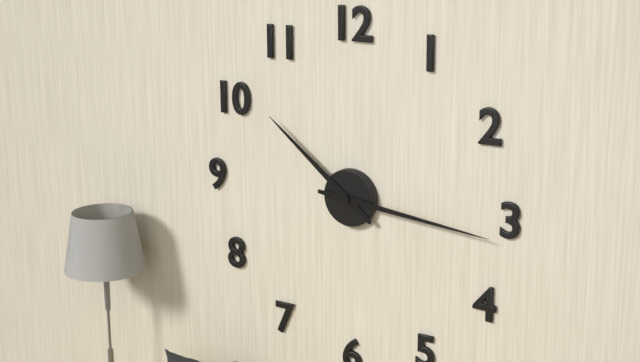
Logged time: 10:16
